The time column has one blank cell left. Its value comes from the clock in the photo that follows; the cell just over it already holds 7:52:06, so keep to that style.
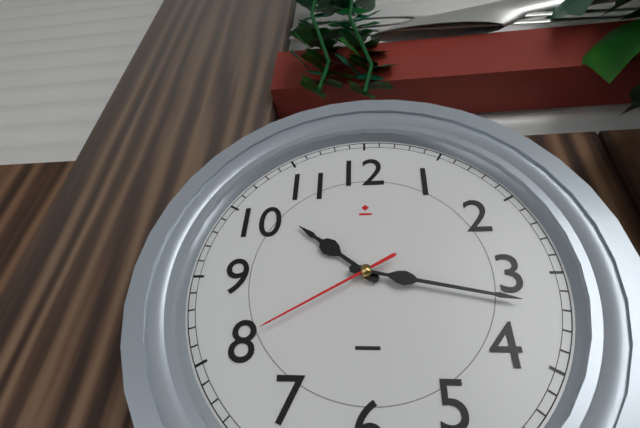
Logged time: 10:17:40
